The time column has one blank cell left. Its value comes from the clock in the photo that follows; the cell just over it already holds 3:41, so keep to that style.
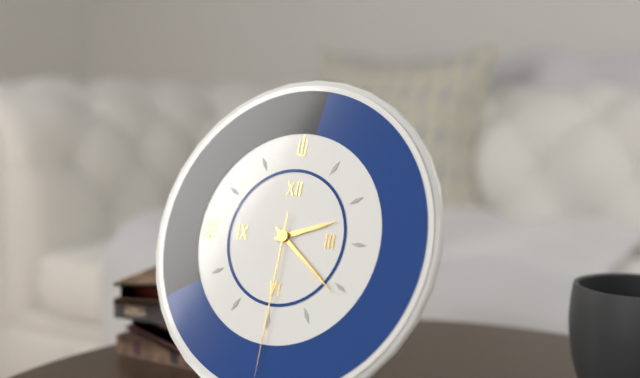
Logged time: 2:21
